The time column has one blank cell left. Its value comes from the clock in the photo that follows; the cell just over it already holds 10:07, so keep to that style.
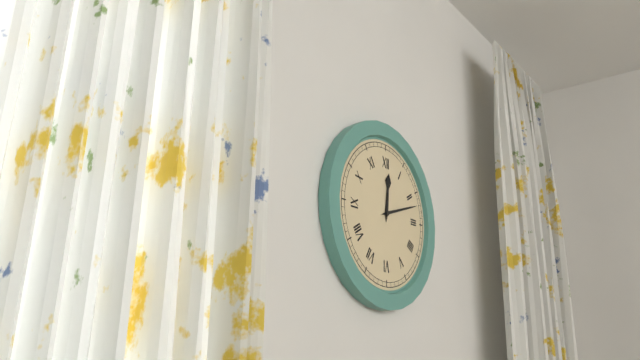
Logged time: 12:12
